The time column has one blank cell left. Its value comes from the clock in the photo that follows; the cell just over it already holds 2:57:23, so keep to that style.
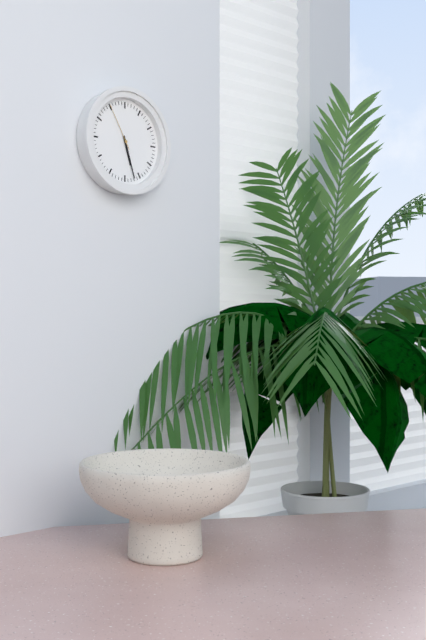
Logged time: 5:27:55
